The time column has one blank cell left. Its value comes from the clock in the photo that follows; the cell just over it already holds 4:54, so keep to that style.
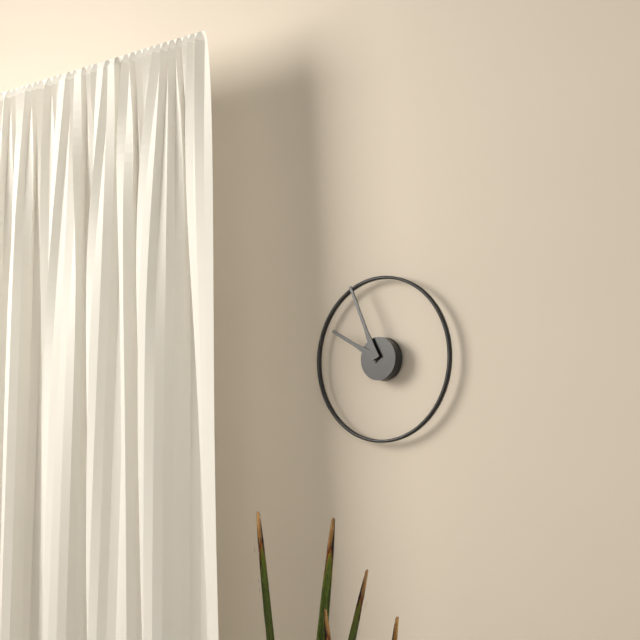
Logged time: 9:56
